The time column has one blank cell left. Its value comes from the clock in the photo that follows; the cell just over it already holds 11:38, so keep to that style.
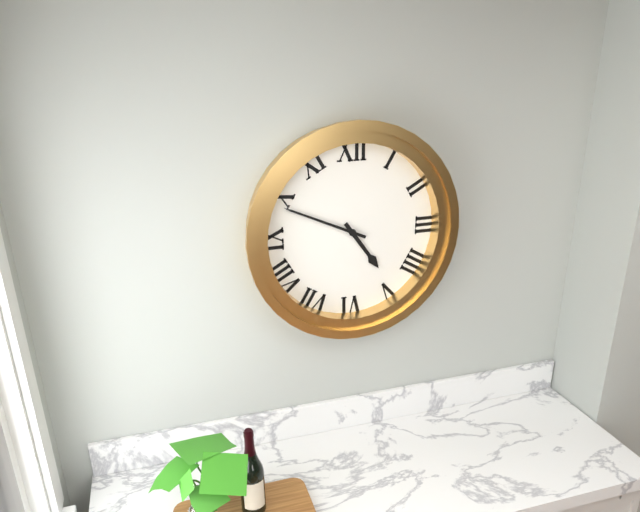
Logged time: 4:49
